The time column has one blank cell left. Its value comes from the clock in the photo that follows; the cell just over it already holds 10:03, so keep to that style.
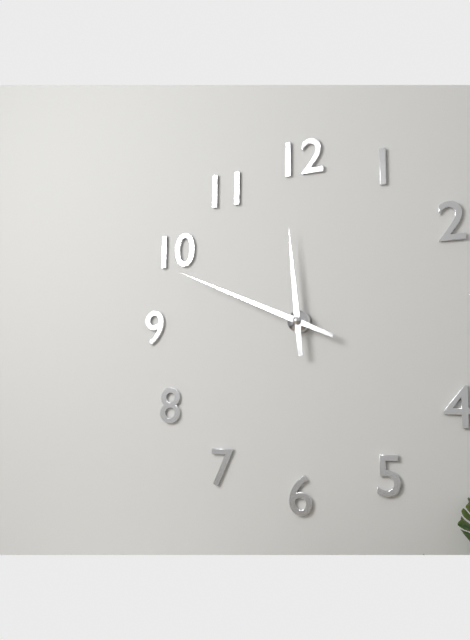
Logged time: 11:49
